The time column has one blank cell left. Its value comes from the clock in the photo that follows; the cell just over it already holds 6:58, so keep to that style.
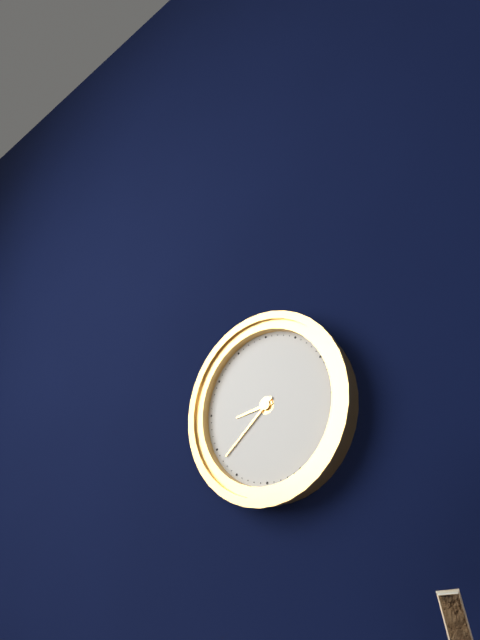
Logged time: 8:38
